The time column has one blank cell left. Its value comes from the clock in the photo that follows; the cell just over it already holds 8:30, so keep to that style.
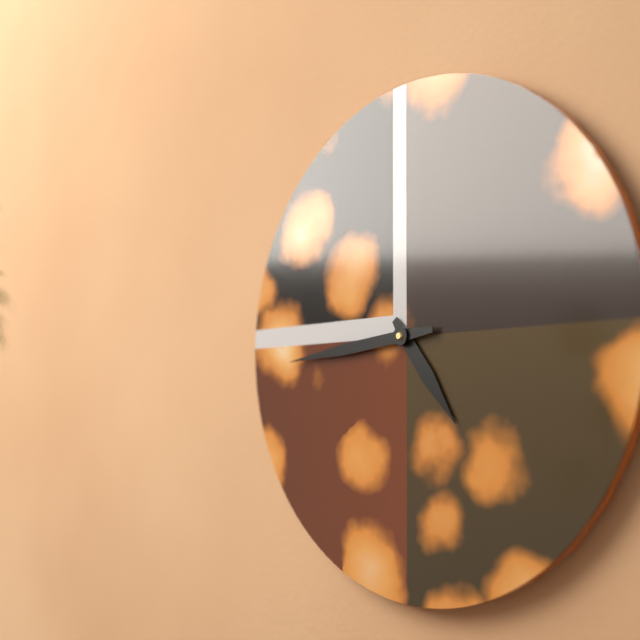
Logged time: 4:44
